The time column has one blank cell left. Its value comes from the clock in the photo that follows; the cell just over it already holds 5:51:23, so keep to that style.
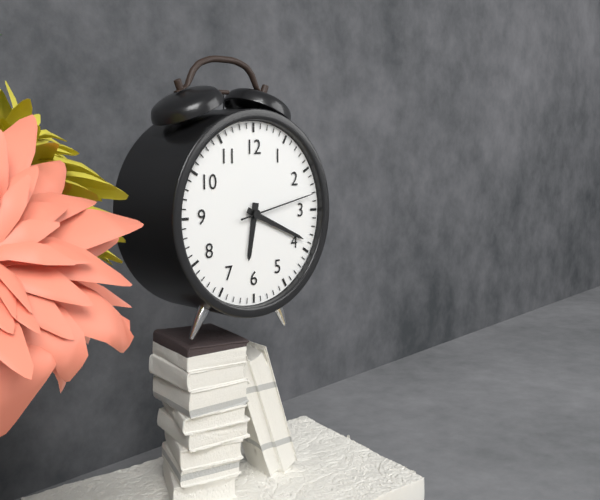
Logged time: 6:19:13
